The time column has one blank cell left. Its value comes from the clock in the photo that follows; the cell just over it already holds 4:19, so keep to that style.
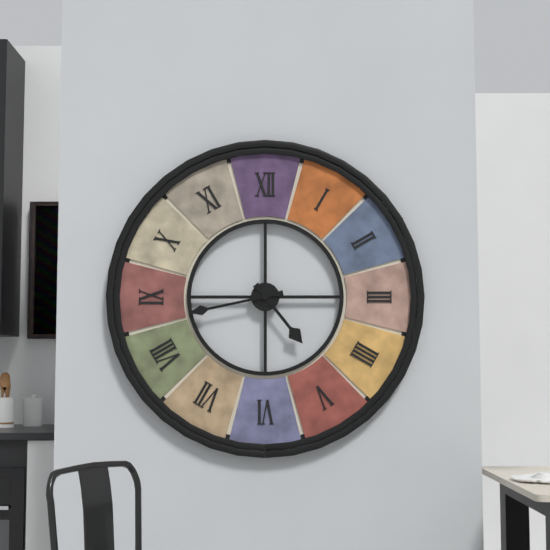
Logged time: 4:43
